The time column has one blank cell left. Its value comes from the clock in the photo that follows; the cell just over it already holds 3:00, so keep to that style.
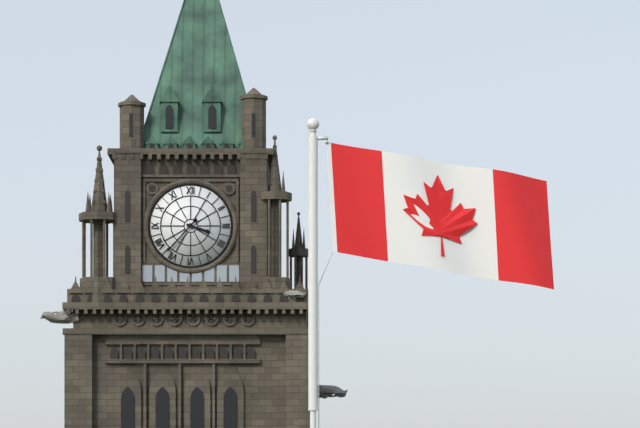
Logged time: 3:37
